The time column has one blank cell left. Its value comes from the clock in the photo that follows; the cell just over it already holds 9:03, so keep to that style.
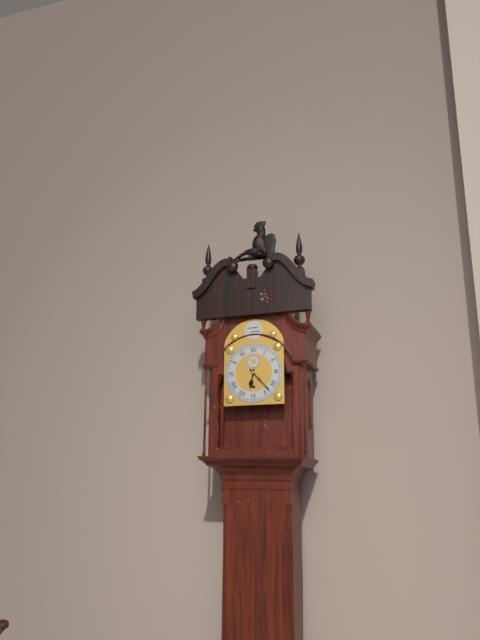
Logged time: 6:23
